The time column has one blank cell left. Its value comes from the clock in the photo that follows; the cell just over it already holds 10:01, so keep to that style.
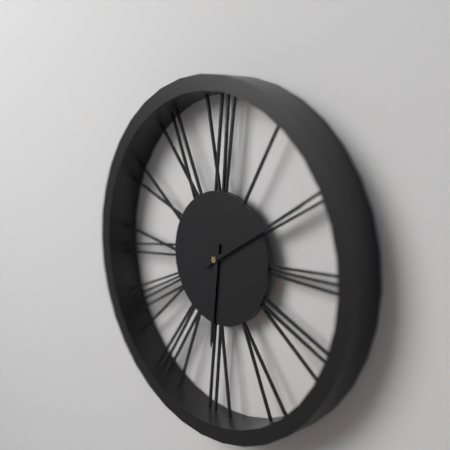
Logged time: 6:10
